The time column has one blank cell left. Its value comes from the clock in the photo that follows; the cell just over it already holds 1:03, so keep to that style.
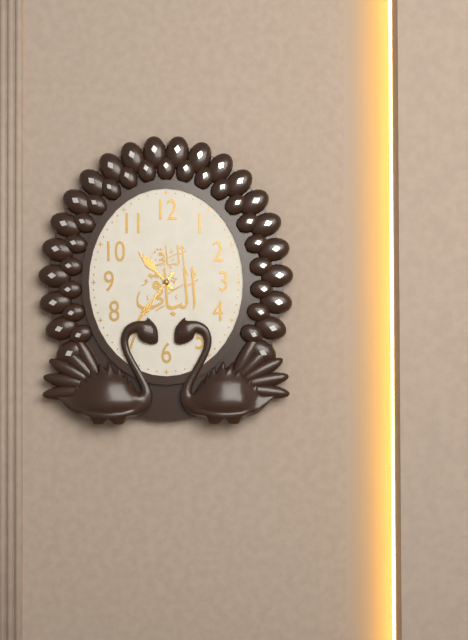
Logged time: 10:36
